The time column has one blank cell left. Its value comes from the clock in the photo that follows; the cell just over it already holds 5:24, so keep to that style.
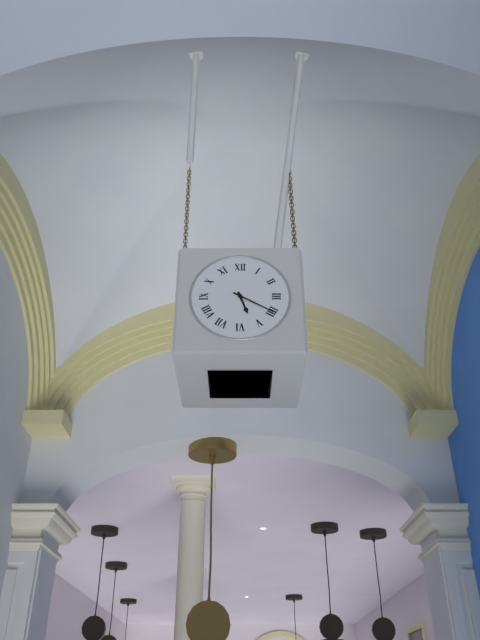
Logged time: 5:20
